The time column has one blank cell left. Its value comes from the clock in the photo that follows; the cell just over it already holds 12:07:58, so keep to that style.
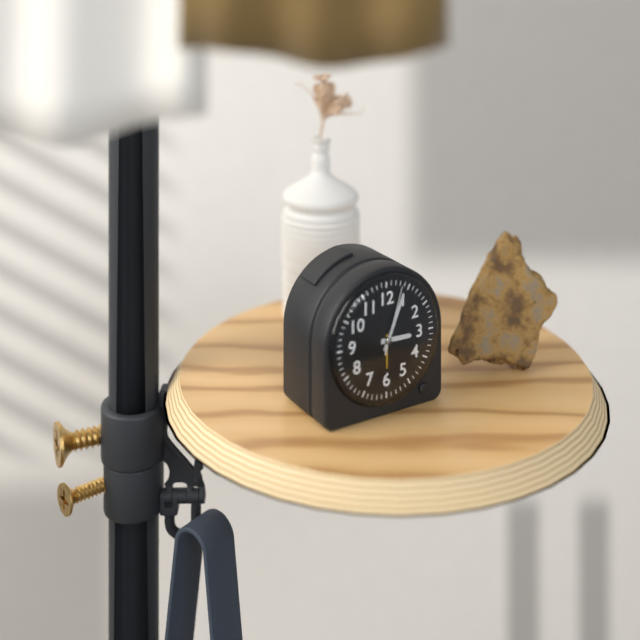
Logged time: 3:04:03
